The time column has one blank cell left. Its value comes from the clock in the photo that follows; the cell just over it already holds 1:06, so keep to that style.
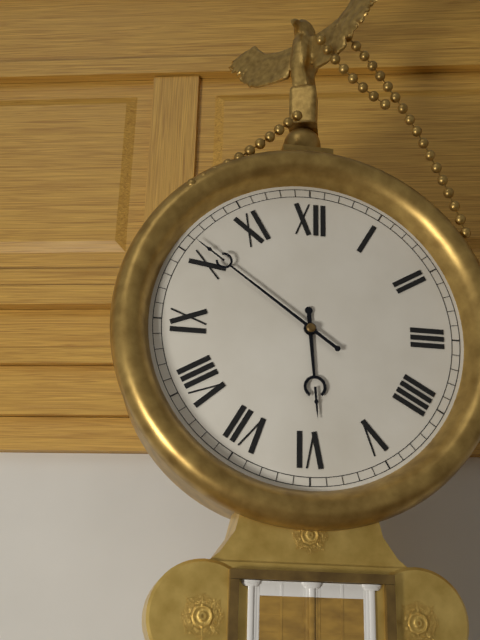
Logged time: 5:51
